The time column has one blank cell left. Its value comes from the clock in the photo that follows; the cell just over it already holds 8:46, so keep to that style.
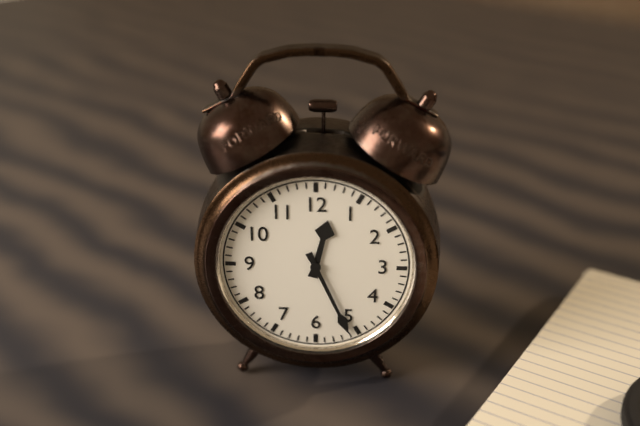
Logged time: 12:26
